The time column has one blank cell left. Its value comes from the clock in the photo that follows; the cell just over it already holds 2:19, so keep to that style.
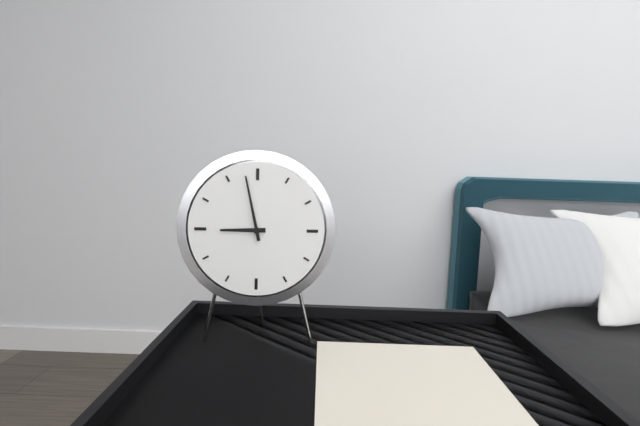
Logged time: 8:58
